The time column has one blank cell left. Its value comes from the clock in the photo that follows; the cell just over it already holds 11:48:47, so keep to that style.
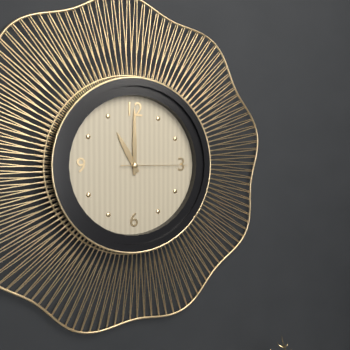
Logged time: 11:00:15
